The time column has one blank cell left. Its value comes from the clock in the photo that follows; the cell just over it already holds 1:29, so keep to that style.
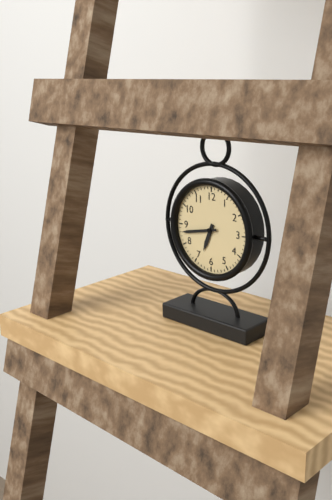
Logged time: 6:43
